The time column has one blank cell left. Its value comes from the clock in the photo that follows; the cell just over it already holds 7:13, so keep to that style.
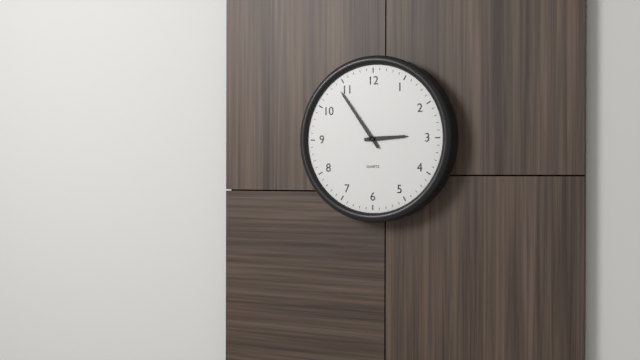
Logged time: 2:54
